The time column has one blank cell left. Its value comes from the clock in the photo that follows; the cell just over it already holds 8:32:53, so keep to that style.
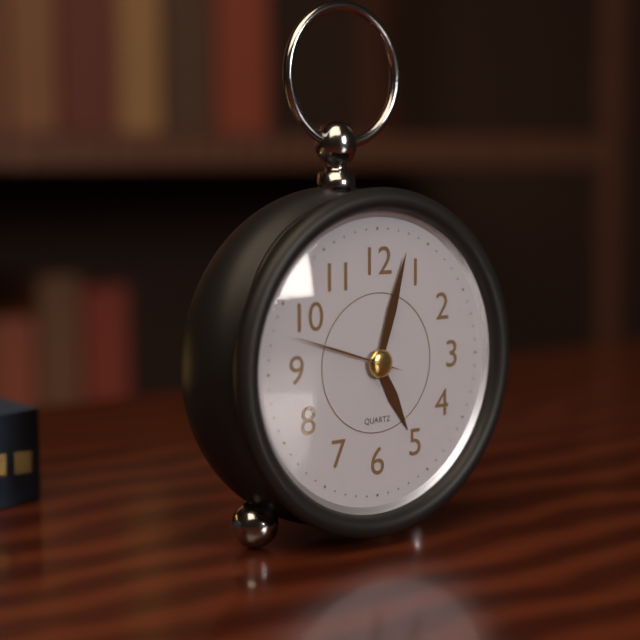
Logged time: 5:03:48
